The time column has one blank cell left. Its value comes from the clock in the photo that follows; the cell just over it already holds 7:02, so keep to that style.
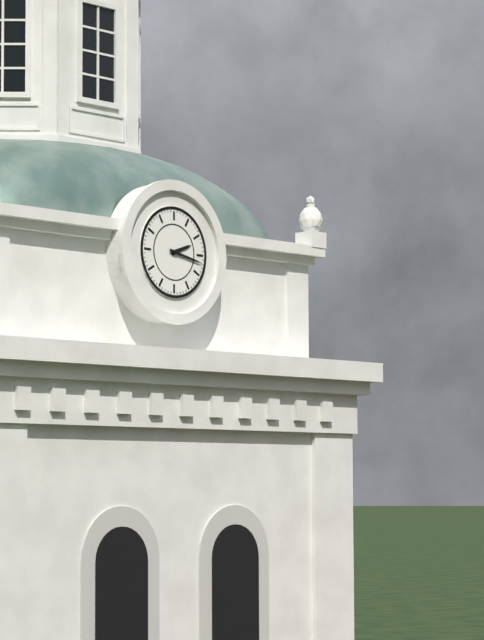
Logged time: 2:17
